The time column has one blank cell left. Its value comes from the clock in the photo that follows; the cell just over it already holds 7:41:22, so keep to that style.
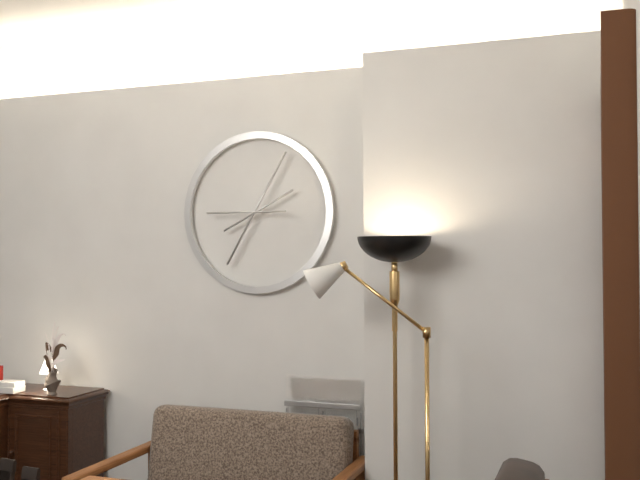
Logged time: 2:05:45
